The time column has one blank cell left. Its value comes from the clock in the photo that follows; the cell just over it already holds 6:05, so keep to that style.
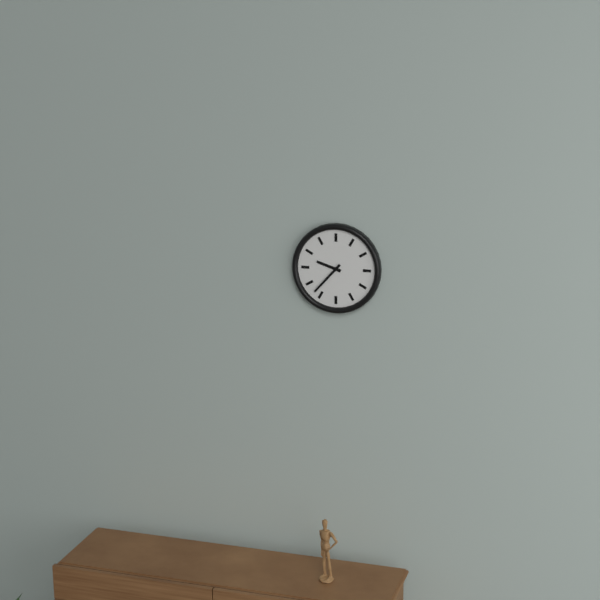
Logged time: 9:37
